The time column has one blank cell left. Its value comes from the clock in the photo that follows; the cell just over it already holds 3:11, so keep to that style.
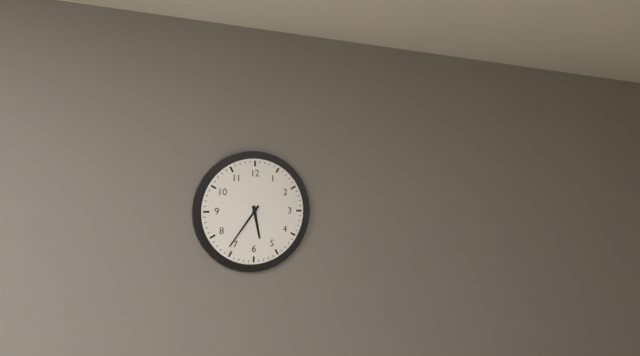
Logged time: 5:36
